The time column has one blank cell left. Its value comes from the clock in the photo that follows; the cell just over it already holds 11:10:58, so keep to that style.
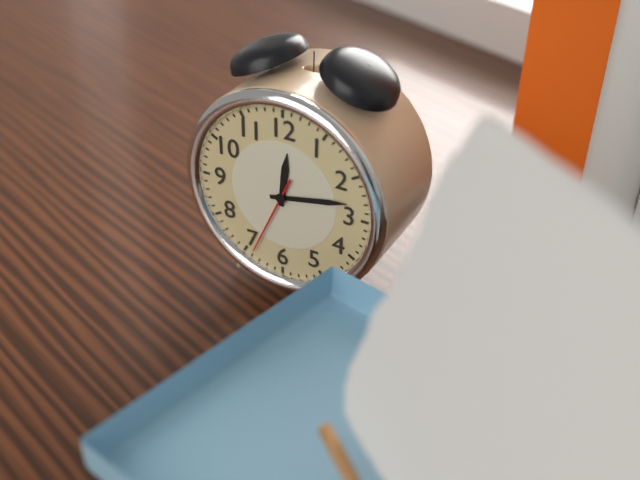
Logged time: 12:13:34
